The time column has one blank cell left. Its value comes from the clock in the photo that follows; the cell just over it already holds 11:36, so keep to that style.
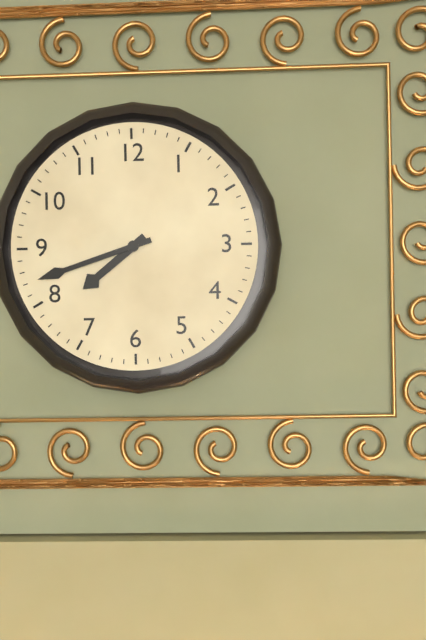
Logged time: 7:42
